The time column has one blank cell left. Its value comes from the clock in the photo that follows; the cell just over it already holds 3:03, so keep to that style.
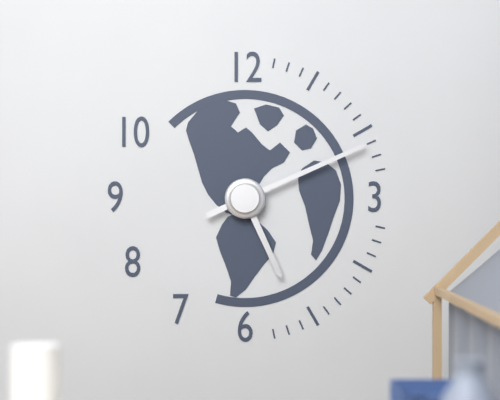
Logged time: 5:11
